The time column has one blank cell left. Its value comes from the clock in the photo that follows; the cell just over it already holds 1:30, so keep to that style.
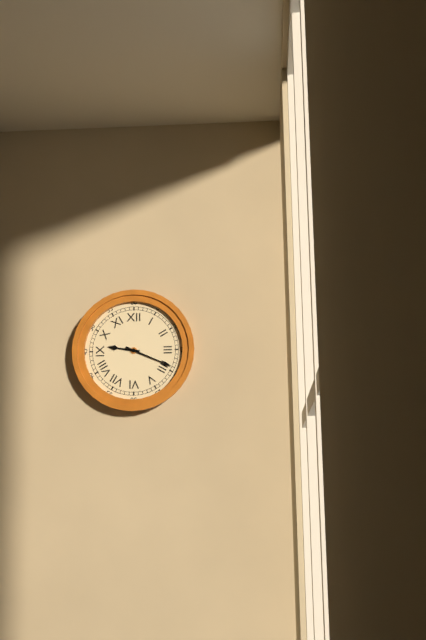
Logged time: 9:19
